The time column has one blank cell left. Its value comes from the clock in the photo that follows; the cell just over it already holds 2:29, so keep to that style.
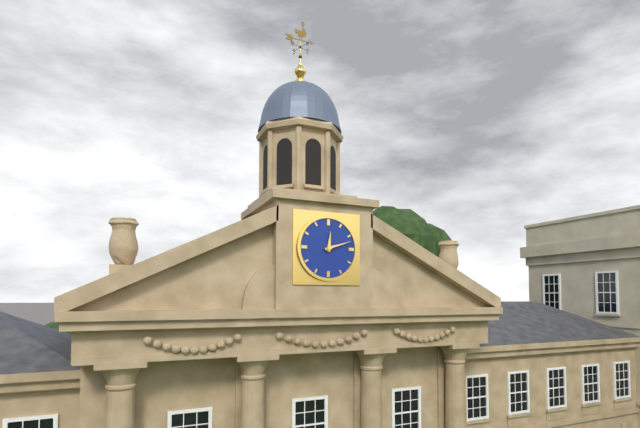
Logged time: 12:12
